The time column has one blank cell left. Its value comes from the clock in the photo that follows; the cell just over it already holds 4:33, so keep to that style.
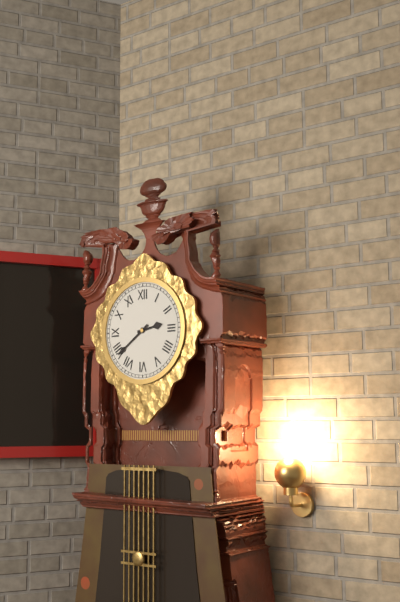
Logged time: 2:39
